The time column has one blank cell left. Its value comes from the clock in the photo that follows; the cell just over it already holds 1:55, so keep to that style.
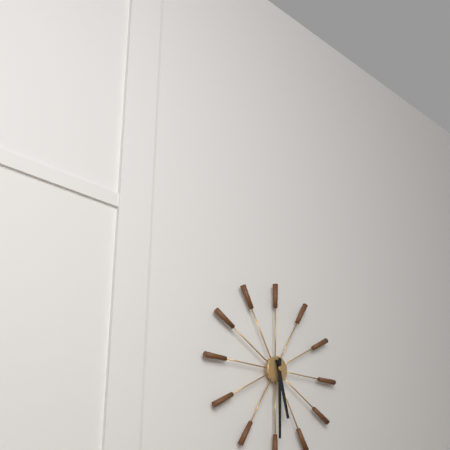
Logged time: 5:30
